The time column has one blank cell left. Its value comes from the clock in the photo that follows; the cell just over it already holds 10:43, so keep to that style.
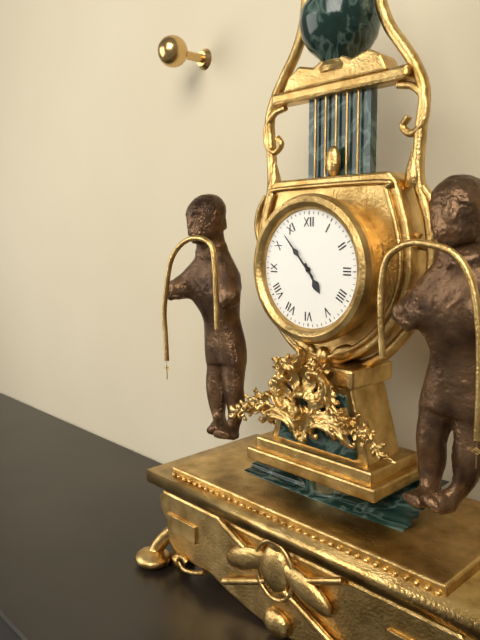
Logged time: 4:53
